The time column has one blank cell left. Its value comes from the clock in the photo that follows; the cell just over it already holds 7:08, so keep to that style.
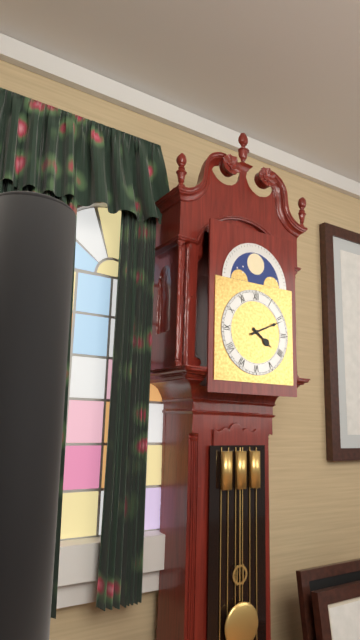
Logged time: 4:11
